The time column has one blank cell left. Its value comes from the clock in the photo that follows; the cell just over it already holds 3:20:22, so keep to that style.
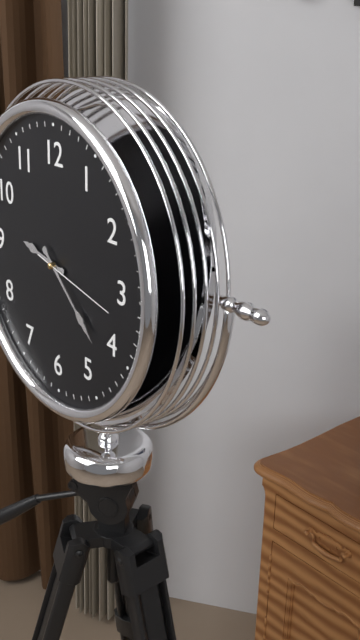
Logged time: 9:22:17
